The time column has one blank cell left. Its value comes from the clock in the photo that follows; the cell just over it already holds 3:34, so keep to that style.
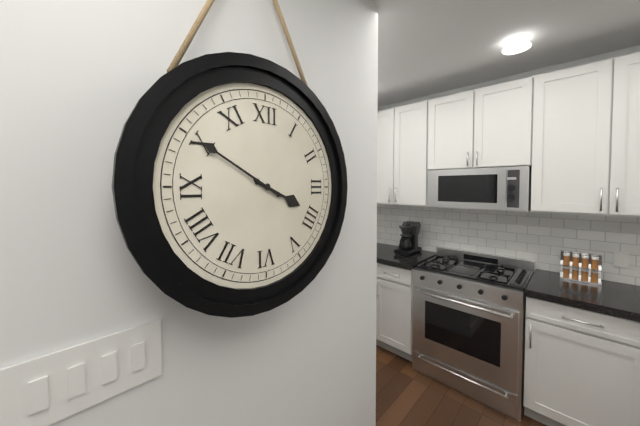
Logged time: 3:50
